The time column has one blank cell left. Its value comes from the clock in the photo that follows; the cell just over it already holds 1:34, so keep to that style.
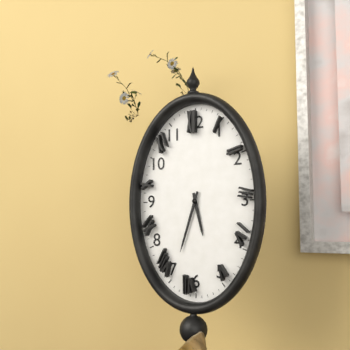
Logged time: 5:33
